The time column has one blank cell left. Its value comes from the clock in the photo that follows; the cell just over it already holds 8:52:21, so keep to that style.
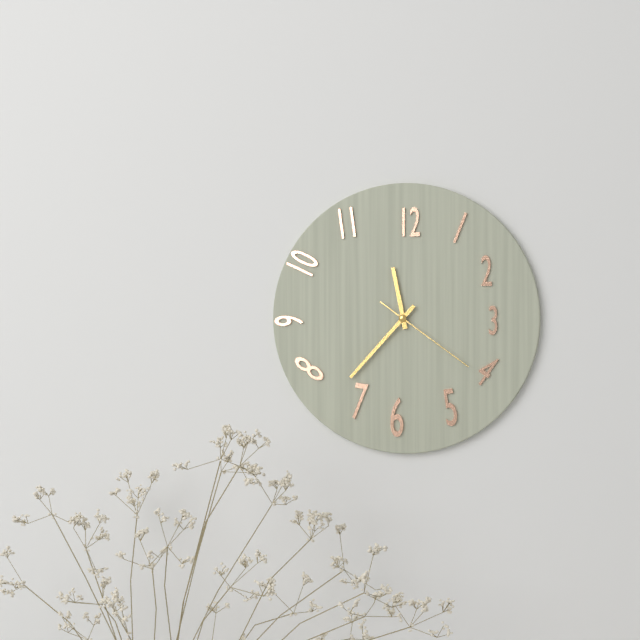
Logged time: 11:37:21
